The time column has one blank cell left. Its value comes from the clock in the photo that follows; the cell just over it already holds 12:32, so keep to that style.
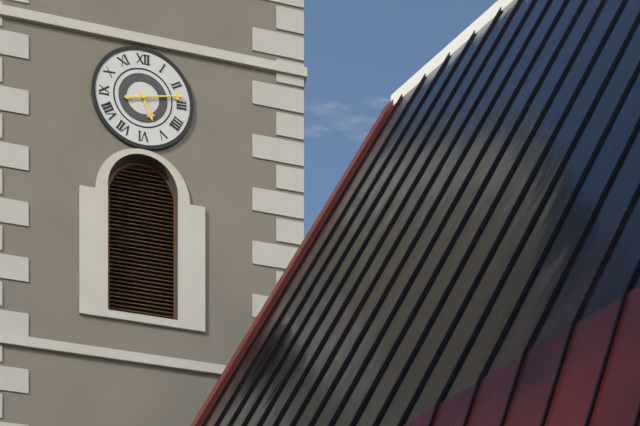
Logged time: 5:13
